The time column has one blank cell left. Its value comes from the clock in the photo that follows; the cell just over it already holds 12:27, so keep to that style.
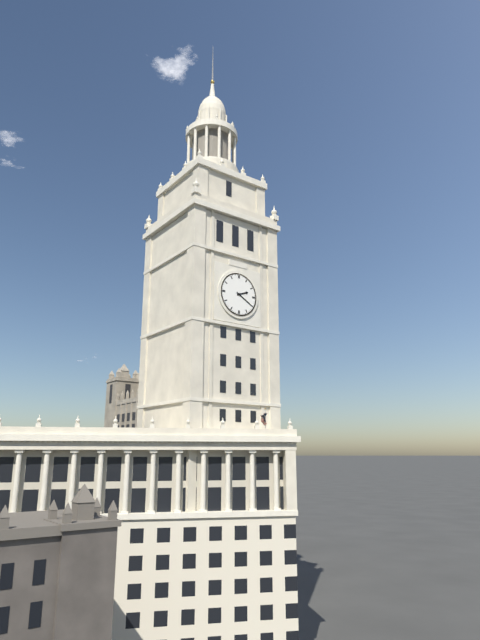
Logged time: 2:20
